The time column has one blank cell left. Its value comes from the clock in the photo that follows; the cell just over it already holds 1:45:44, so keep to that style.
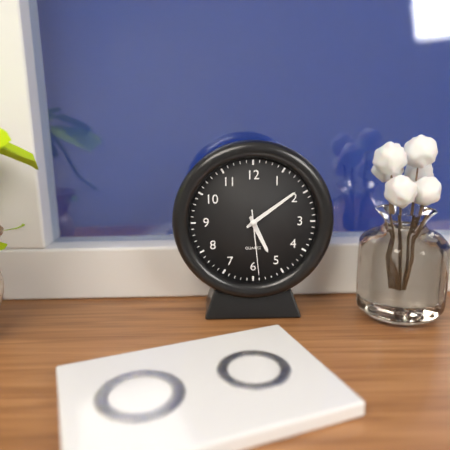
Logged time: 5:09:29
